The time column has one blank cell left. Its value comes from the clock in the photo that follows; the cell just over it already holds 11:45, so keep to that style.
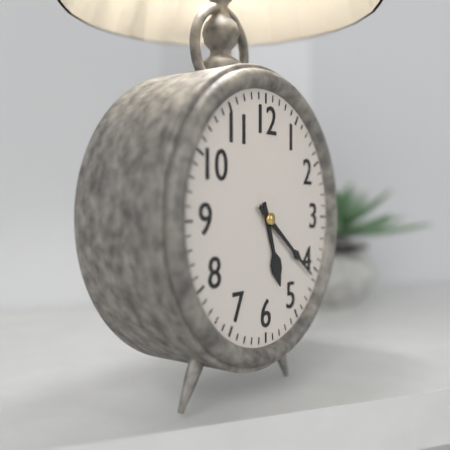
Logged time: 5:21
